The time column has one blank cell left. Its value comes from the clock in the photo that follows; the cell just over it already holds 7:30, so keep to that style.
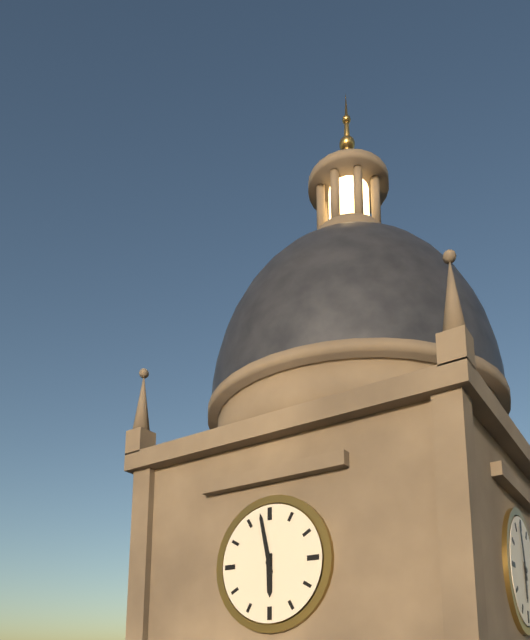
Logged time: 5:58
